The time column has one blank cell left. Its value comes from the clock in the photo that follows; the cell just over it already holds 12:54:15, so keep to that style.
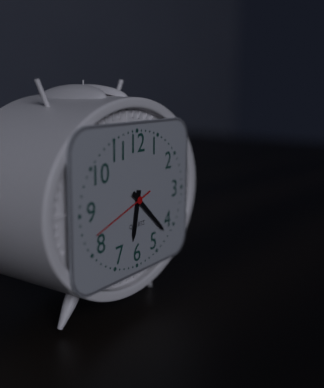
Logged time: 6:22:42
